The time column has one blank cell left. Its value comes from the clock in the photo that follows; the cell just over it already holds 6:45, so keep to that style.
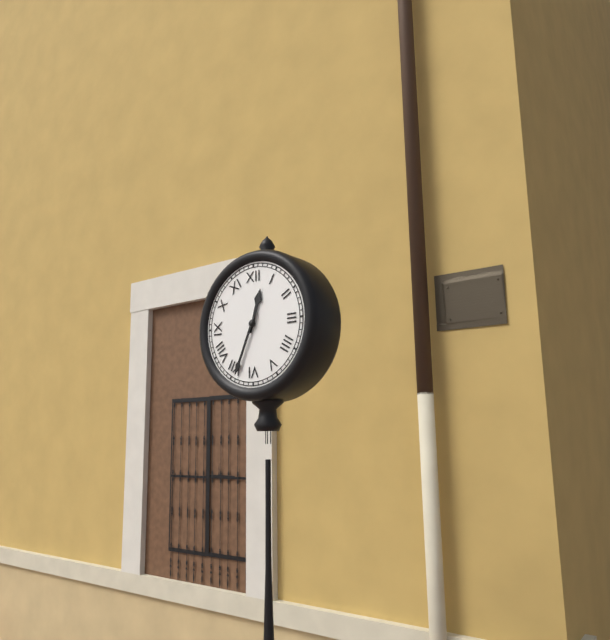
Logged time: 12:34
